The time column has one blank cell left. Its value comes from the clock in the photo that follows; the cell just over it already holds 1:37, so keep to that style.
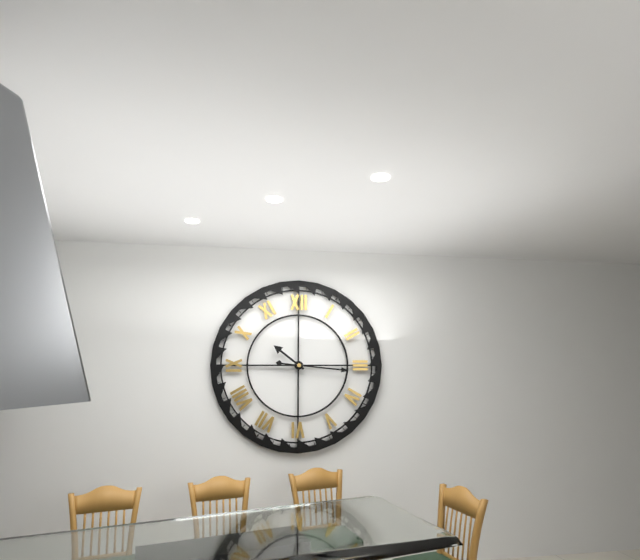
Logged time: 10:16
